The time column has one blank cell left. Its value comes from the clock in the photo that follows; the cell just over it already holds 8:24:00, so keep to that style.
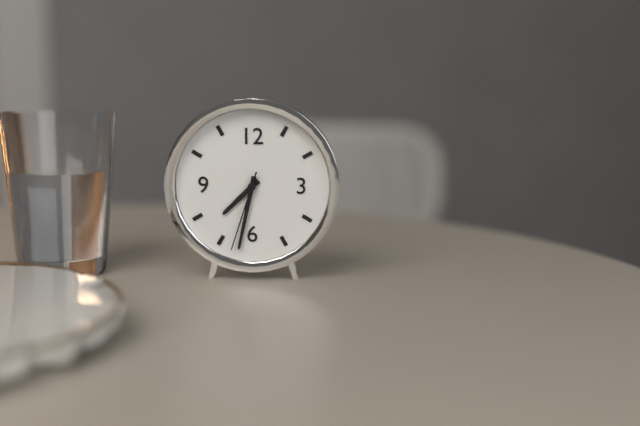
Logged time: 7:32:33
